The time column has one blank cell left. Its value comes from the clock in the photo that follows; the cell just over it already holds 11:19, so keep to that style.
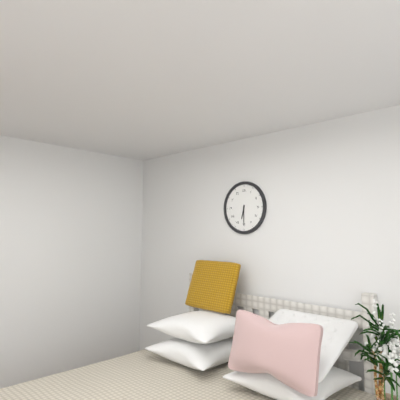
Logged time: 6:30
